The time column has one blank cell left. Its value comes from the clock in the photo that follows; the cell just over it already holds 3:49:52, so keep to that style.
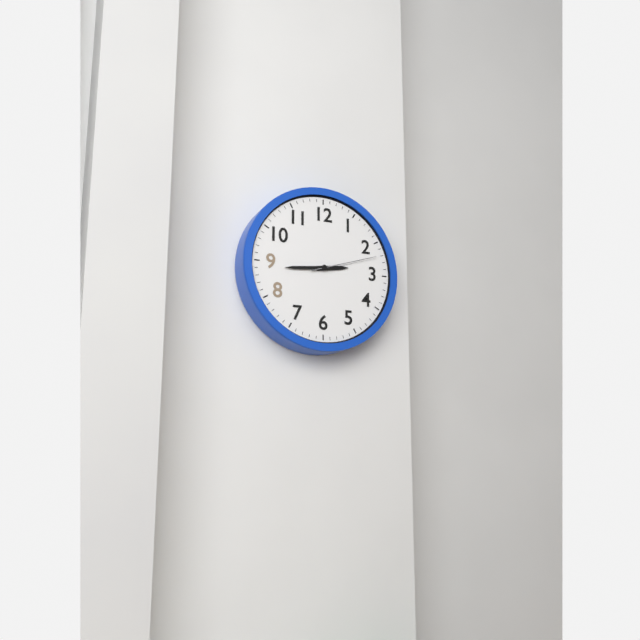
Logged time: 2:44:12
